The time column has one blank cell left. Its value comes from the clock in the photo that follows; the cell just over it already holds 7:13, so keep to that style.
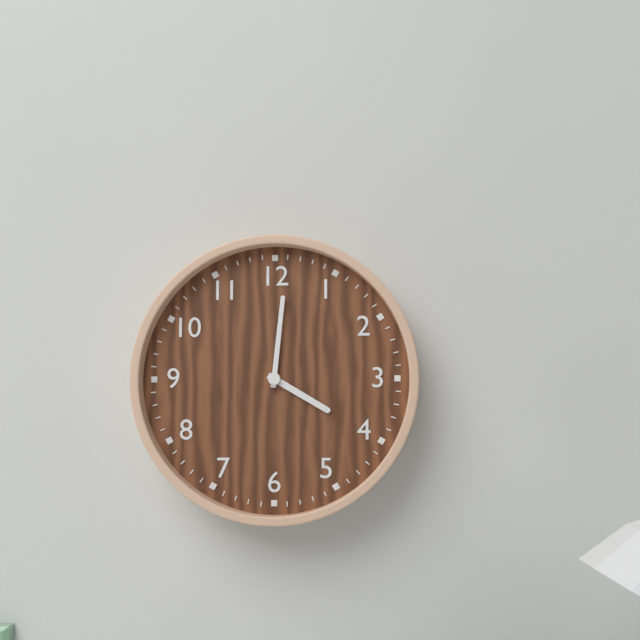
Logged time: 4:01
